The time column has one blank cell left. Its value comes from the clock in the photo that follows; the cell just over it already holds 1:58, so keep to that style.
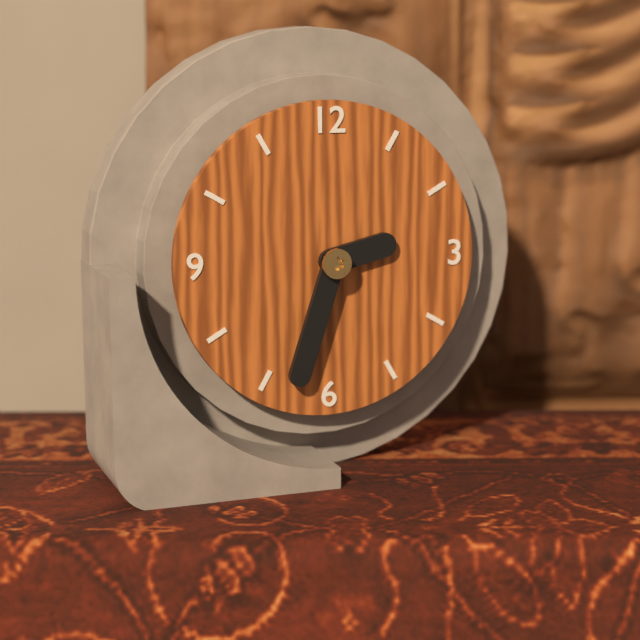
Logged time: 2:33
